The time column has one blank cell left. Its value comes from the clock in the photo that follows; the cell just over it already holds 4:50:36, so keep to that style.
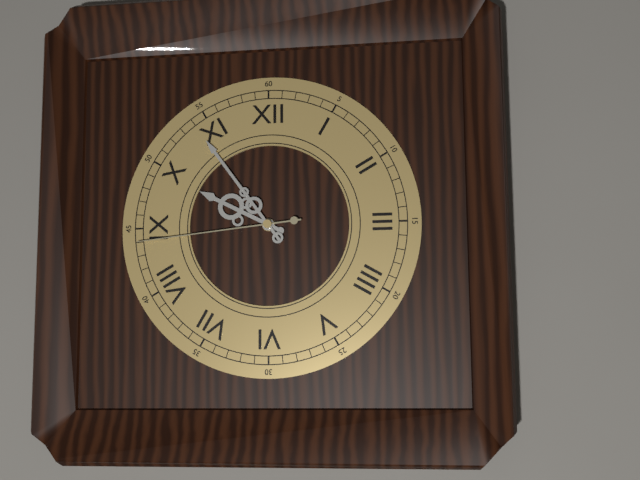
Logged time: 9:54:44
